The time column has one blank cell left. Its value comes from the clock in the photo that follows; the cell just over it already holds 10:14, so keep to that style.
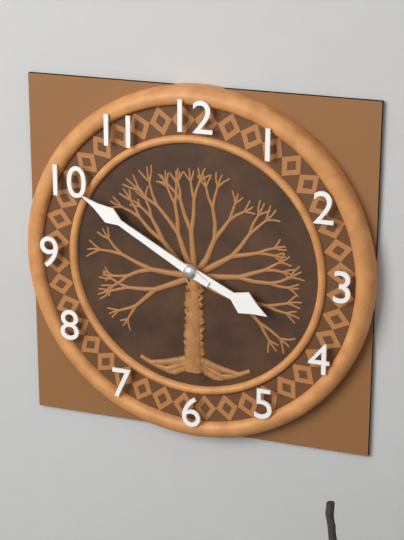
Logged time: 3:50
